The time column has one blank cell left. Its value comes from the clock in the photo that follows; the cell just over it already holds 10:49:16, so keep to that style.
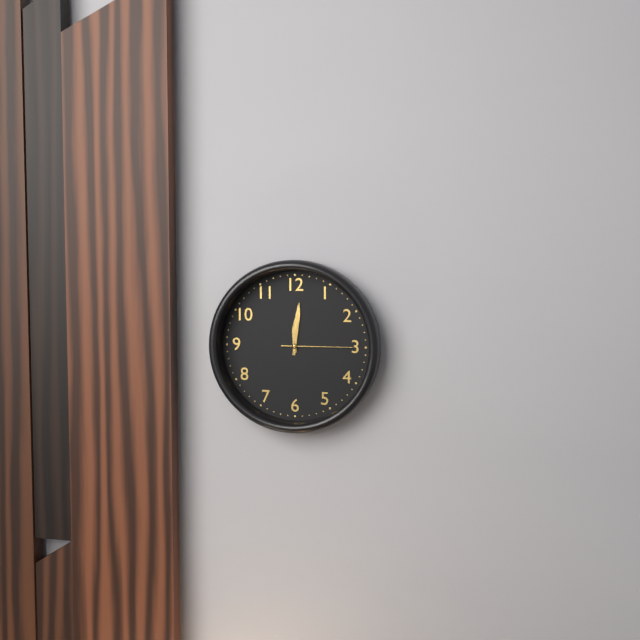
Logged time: 12:01:15
